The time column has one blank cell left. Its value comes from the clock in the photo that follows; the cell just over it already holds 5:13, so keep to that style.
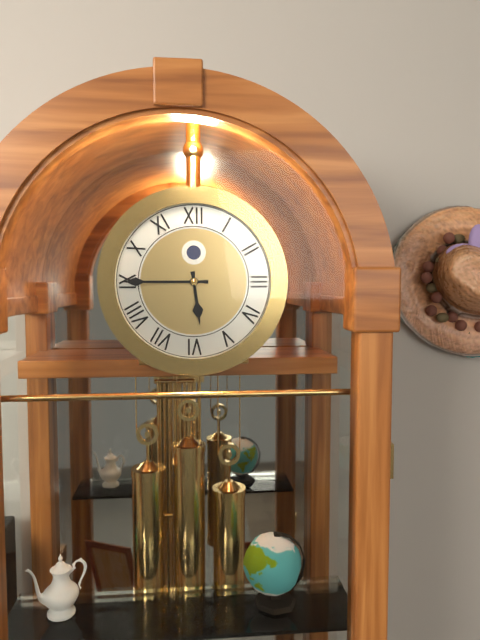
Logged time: 5:45
